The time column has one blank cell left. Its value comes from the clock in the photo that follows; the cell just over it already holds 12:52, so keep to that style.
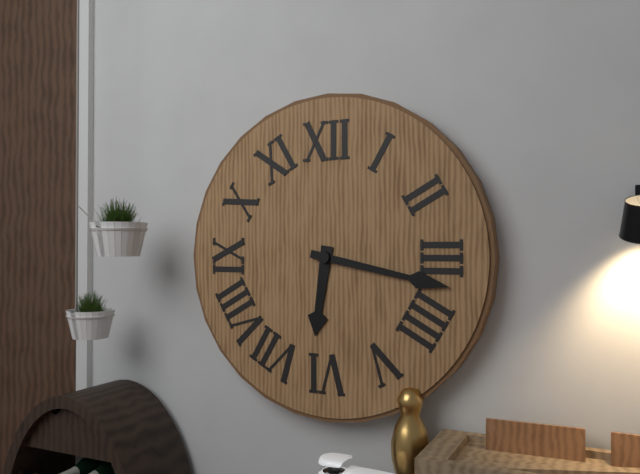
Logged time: 6:17
